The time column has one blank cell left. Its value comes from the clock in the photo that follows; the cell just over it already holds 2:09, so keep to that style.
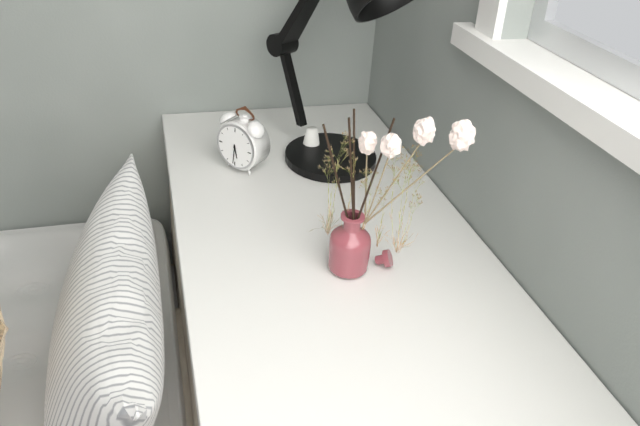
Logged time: 5:31
